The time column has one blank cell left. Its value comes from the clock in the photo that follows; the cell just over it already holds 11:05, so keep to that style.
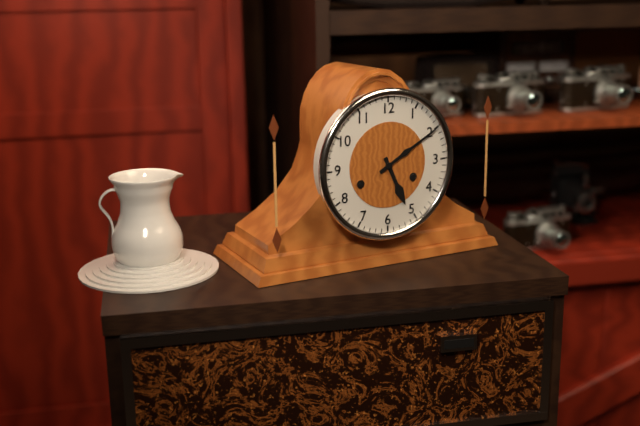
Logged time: 5:10
